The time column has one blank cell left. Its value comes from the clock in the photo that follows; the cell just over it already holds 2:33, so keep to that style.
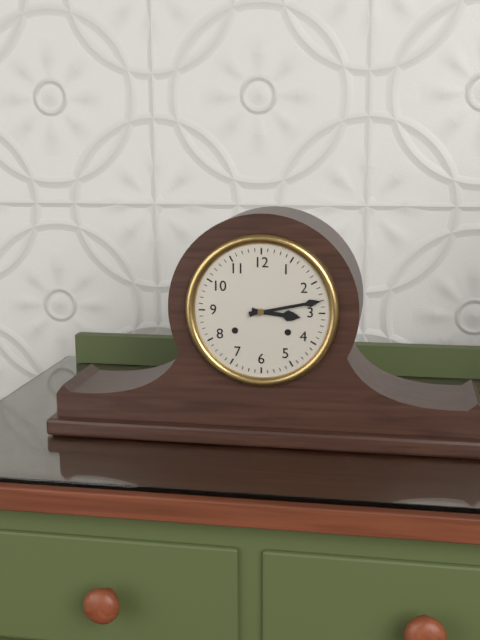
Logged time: 3:13
